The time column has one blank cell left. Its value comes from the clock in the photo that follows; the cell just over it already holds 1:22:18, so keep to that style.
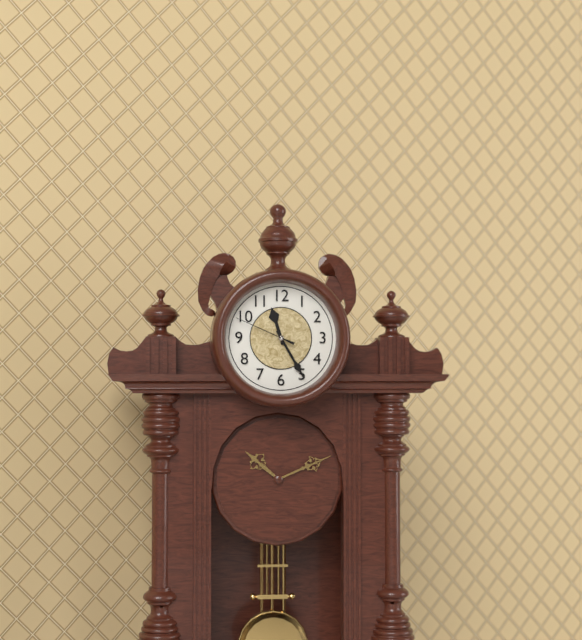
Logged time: 11:25:49
